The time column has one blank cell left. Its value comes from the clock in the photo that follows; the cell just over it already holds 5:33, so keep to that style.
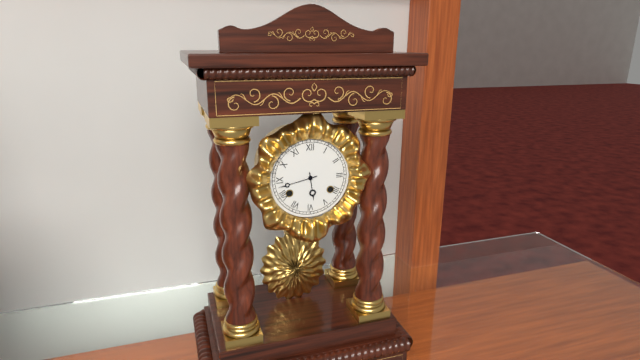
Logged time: 5:43
